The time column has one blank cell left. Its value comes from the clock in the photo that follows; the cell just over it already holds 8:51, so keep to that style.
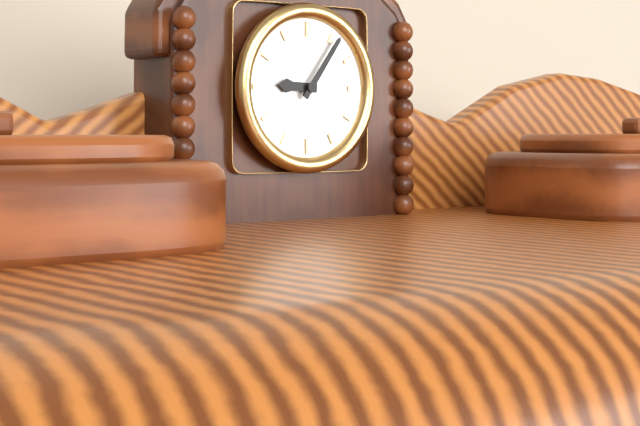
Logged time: 9:06
